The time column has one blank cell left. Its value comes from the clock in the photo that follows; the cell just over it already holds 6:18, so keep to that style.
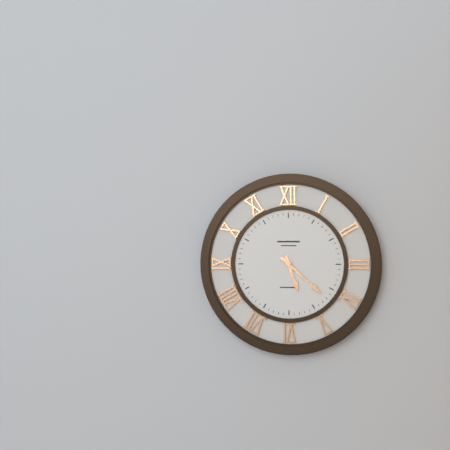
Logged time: 5:22
